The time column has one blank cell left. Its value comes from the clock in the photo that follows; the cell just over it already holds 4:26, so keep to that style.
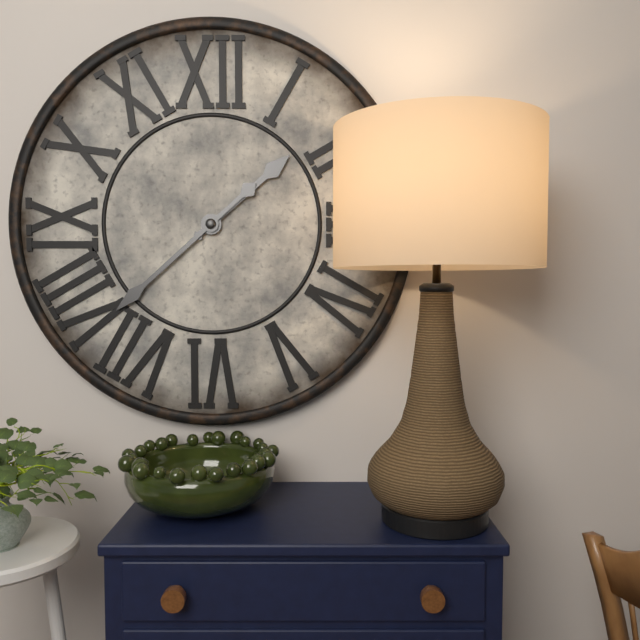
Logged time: 1:38
